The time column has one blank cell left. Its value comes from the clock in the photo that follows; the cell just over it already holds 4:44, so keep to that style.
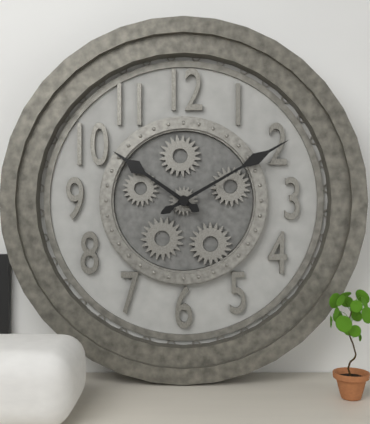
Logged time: 10:10
